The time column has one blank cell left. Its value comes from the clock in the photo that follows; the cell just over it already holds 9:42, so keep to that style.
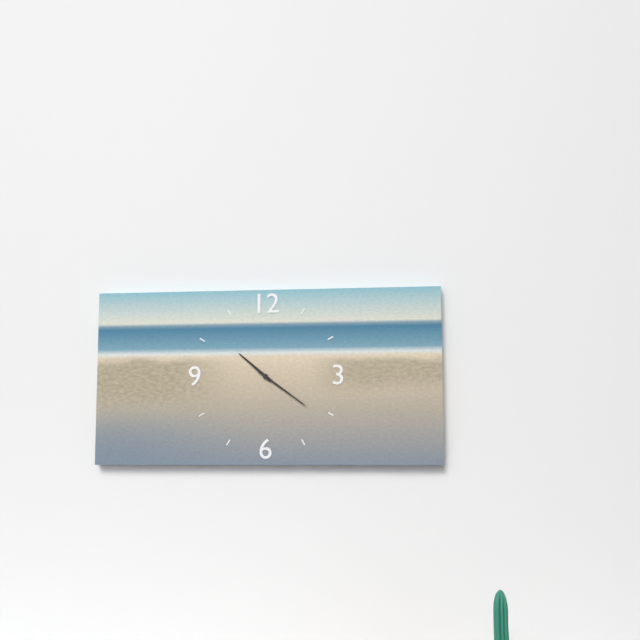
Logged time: 10:21
